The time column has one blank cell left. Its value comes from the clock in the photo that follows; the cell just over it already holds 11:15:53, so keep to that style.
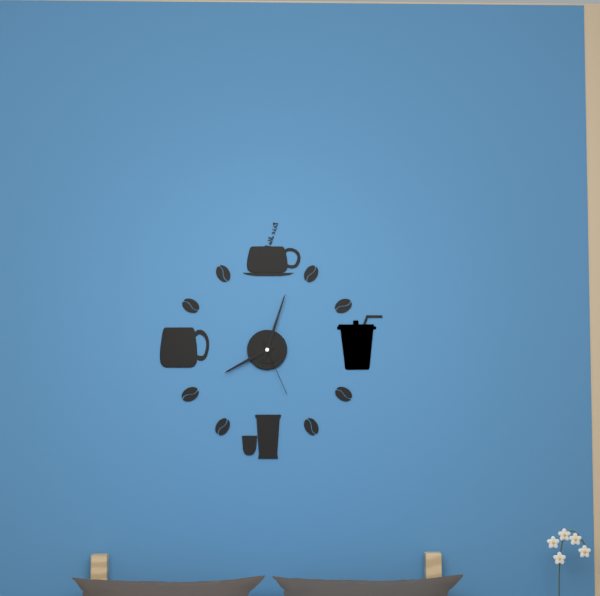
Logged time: 8:03:26
